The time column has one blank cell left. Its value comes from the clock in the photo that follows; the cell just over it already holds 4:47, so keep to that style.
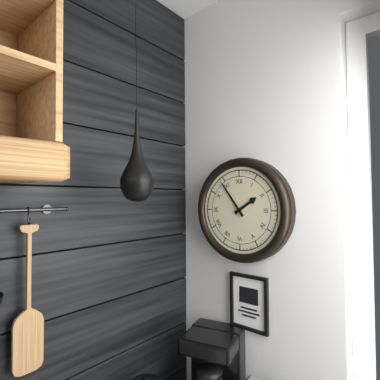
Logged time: 1:54
